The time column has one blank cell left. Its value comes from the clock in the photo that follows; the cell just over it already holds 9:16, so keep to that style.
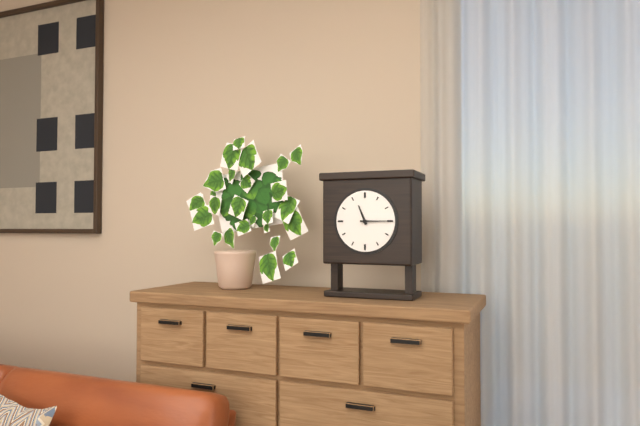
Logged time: 11:15
